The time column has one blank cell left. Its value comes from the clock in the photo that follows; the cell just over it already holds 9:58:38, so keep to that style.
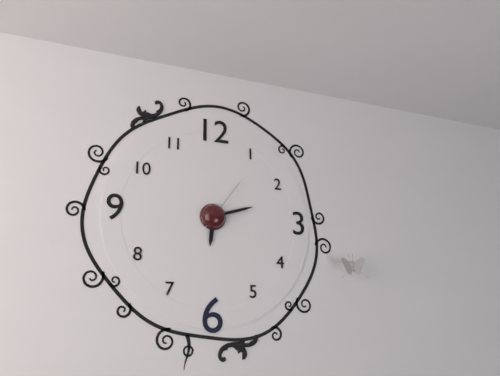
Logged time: 6:12:06
